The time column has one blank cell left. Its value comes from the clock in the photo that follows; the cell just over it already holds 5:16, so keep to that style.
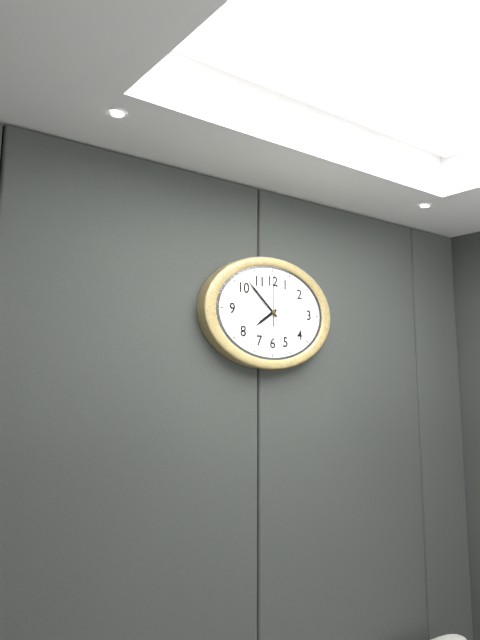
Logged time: 7:52
